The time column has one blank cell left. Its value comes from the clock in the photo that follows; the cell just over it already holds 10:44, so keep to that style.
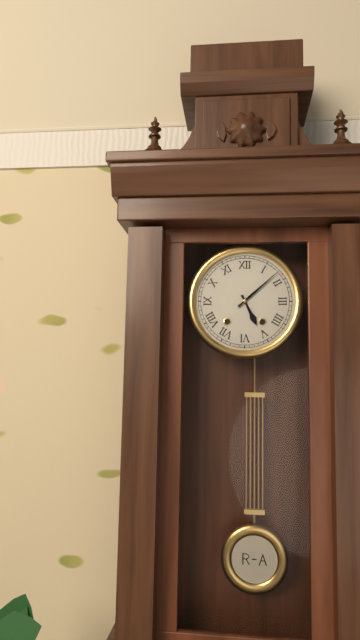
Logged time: 5:08
